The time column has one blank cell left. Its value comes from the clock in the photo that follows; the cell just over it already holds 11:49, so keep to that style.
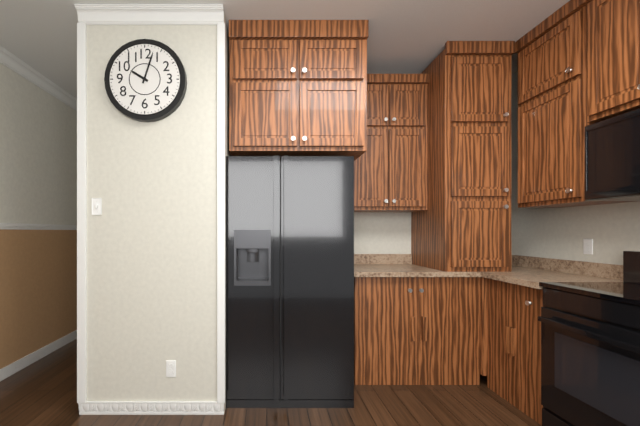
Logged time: 10:03
